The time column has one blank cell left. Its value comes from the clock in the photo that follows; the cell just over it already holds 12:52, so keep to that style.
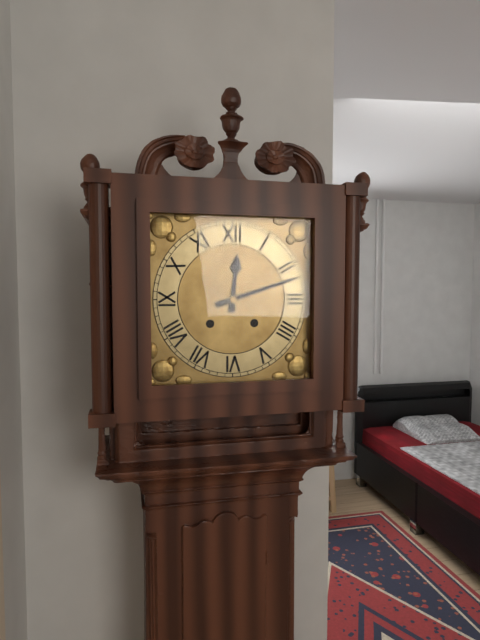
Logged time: 12:12
